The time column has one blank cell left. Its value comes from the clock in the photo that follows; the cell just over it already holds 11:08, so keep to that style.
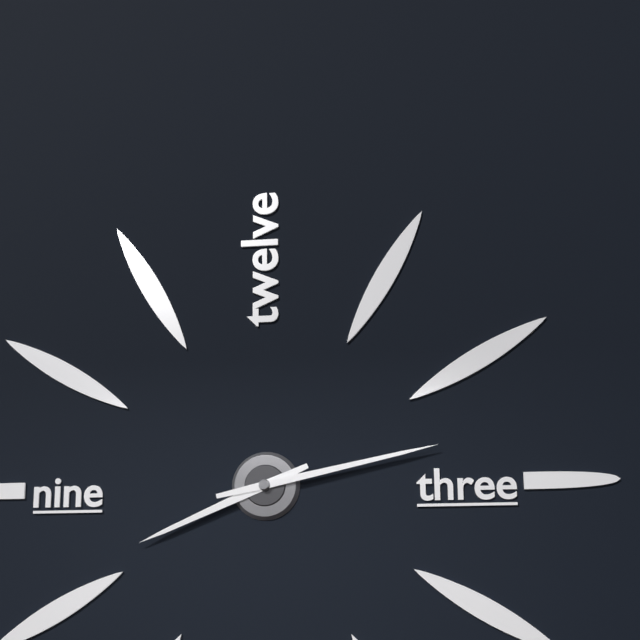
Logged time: 8:13
